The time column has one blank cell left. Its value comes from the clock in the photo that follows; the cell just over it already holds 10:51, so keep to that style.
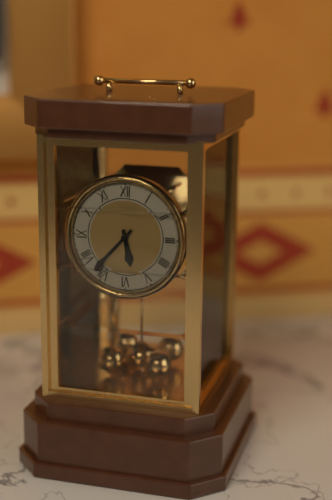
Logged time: 5:37
